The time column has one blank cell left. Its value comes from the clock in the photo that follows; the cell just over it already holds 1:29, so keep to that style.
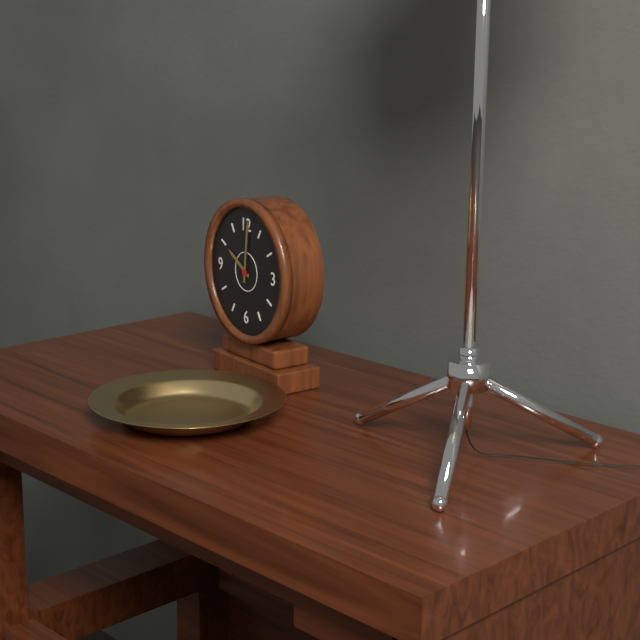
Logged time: 10:01
